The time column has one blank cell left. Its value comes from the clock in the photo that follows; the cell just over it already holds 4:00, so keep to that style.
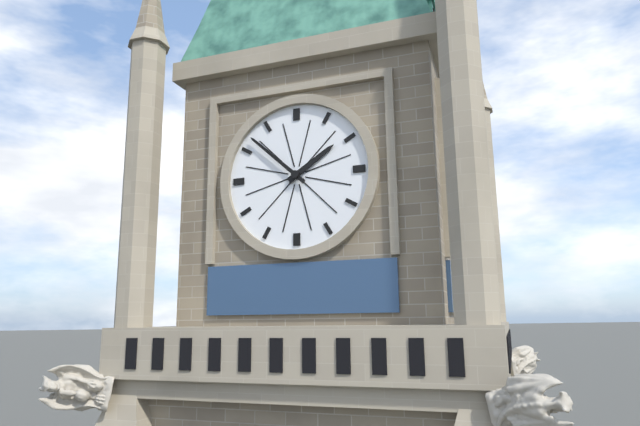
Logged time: 1:52
